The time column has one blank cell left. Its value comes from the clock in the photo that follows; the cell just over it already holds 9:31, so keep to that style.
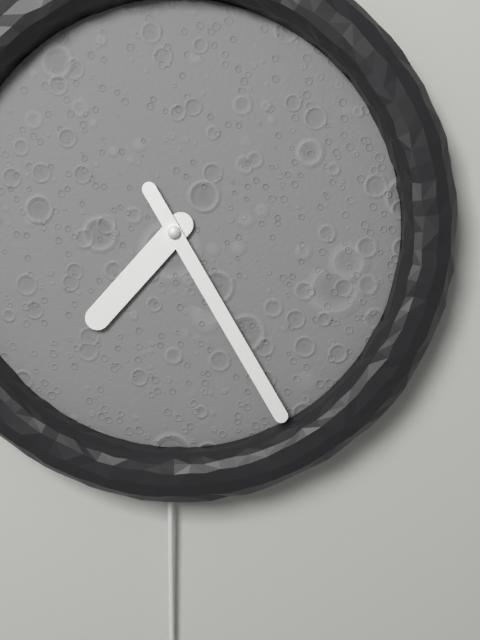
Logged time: 7:25
